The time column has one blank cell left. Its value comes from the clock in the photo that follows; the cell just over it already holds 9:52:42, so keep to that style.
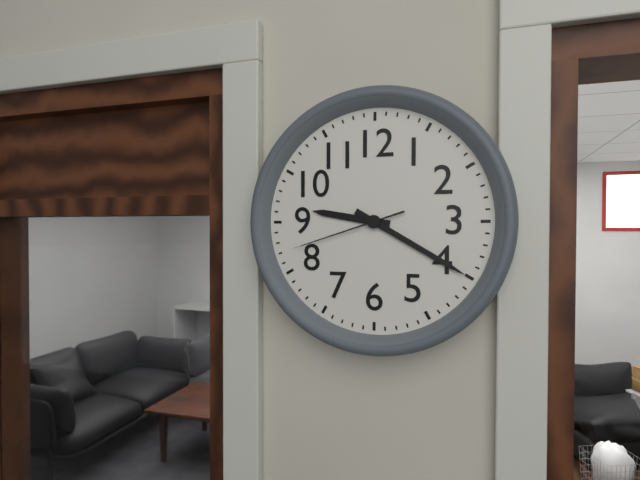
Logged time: 9:20:42
